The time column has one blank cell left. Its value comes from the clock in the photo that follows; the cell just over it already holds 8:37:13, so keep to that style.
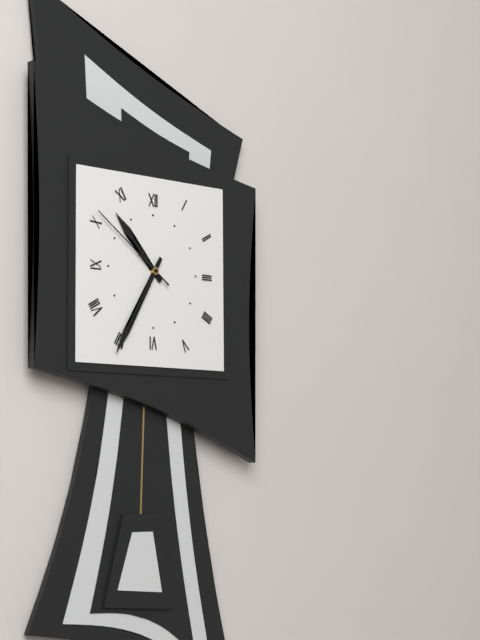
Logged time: 10:35:51
